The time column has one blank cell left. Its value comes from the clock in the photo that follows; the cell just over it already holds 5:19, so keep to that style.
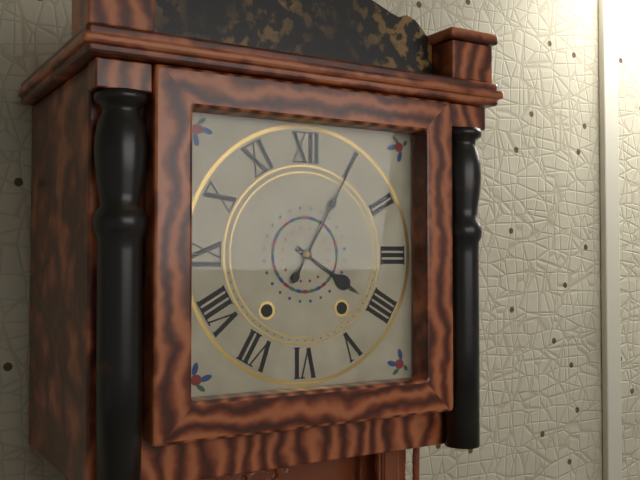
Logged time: 4:05
